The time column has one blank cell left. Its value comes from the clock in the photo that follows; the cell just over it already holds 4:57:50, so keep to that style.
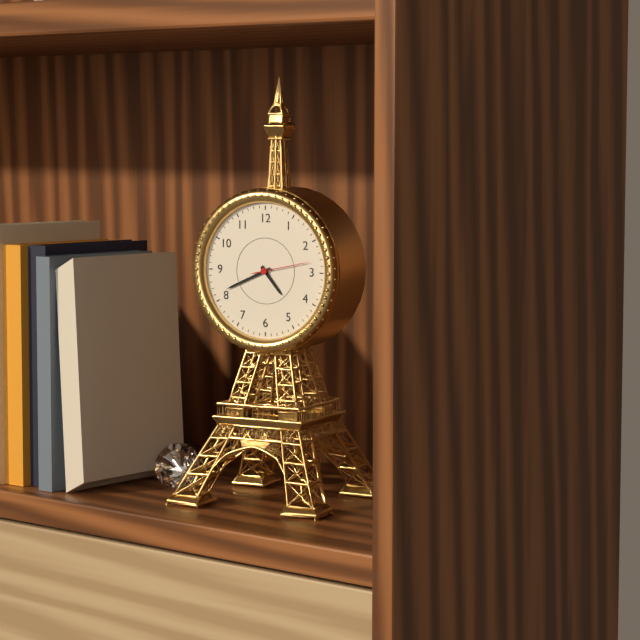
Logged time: 4:41:13
